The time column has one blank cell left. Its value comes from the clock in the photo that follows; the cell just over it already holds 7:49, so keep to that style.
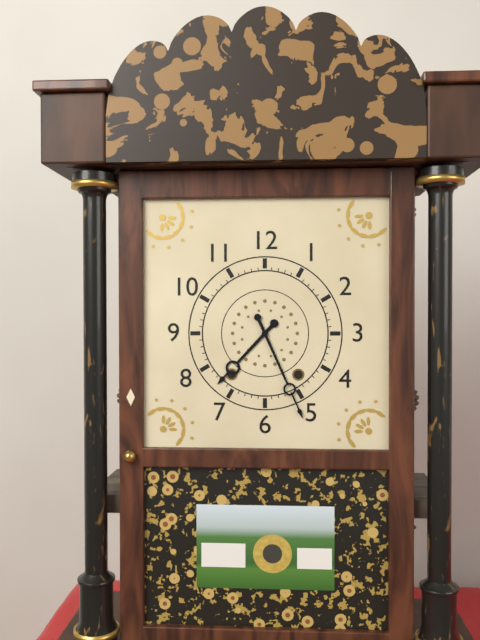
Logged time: 7:26
